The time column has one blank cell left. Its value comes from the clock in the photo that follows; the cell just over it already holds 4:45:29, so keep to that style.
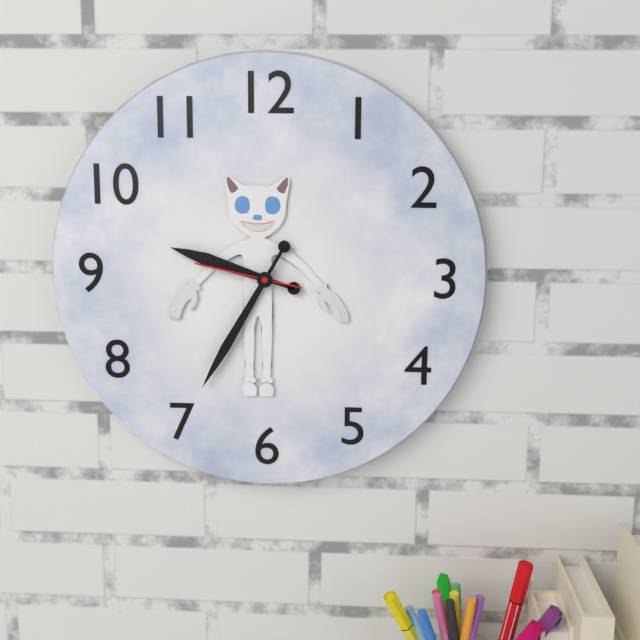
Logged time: 9:35:47
